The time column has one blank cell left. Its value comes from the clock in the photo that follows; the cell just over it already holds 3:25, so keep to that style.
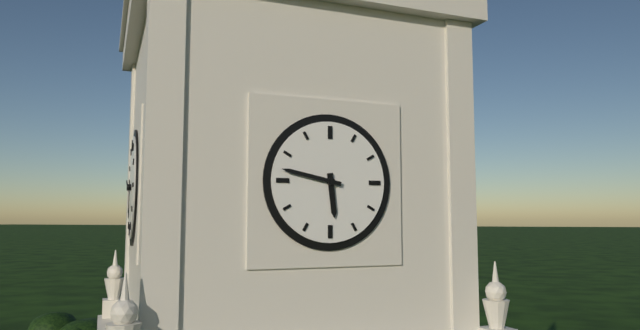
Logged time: 5:47
